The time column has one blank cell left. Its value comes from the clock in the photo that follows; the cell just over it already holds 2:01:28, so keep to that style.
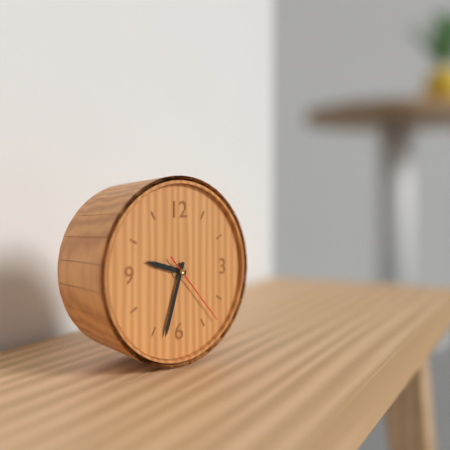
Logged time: 9:33:23
